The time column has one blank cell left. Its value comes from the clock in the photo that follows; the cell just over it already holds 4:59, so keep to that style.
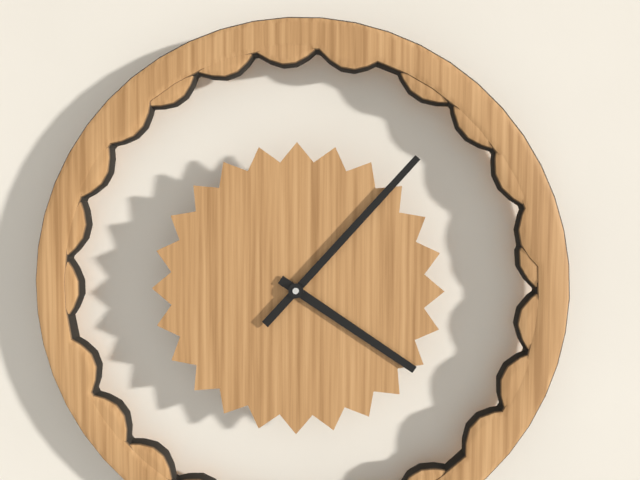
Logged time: 4:07
